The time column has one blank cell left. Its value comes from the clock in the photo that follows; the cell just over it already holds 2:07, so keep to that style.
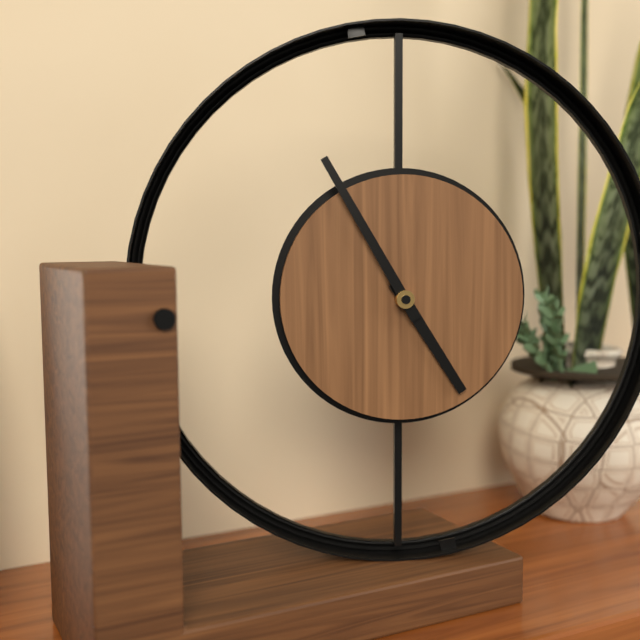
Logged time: 4:55
